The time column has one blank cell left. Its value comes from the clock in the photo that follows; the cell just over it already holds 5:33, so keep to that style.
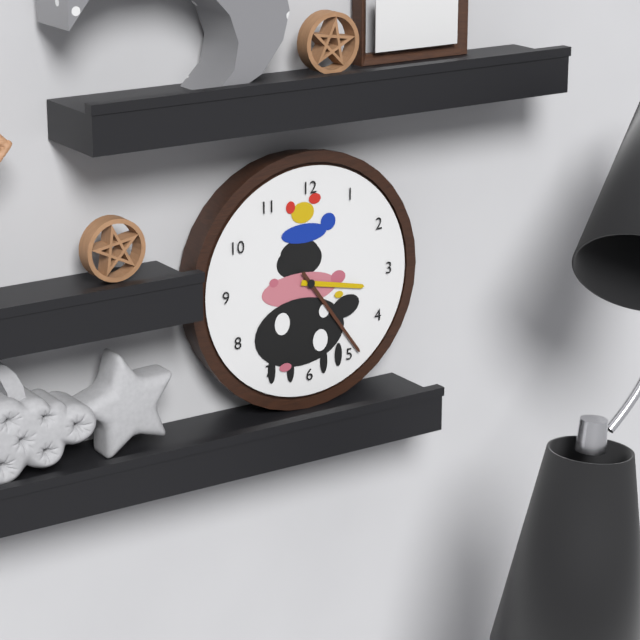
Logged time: 3:24
